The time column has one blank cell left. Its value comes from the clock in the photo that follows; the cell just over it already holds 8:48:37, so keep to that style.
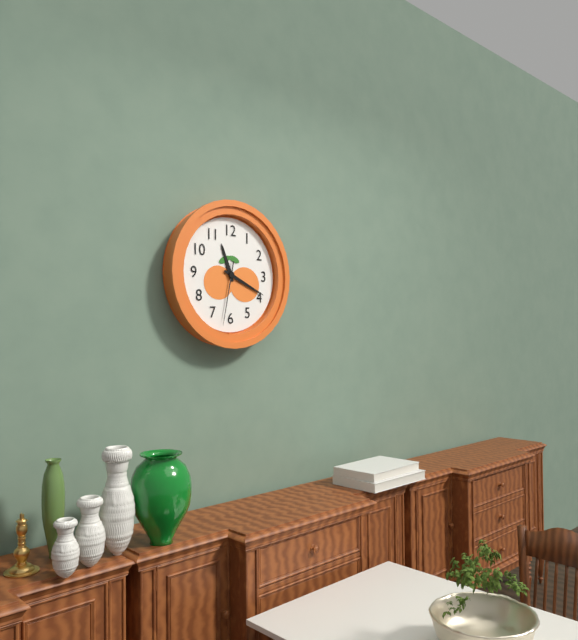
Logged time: 11:19:32
